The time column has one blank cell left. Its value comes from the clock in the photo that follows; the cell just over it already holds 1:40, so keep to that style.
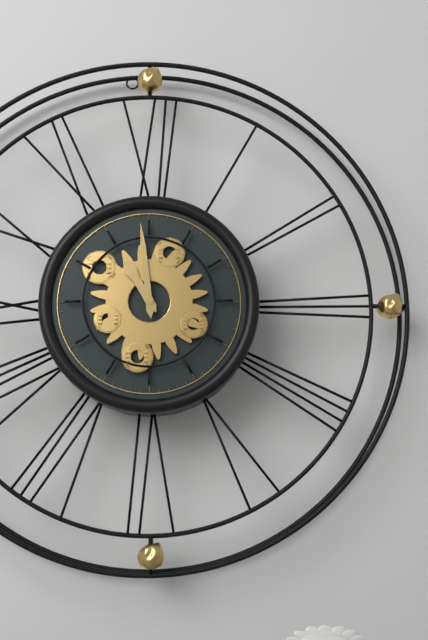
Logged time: 10:59
